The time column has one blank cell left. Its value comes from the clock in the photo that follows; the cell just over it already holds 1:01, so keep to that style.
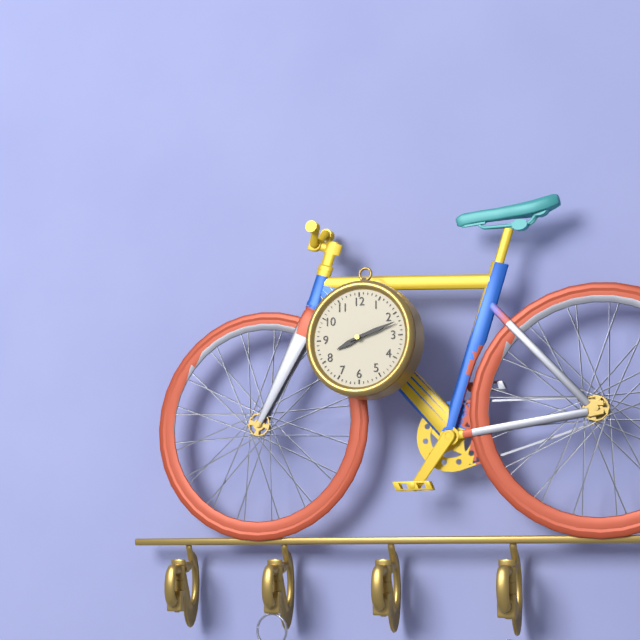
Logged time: 8:12
